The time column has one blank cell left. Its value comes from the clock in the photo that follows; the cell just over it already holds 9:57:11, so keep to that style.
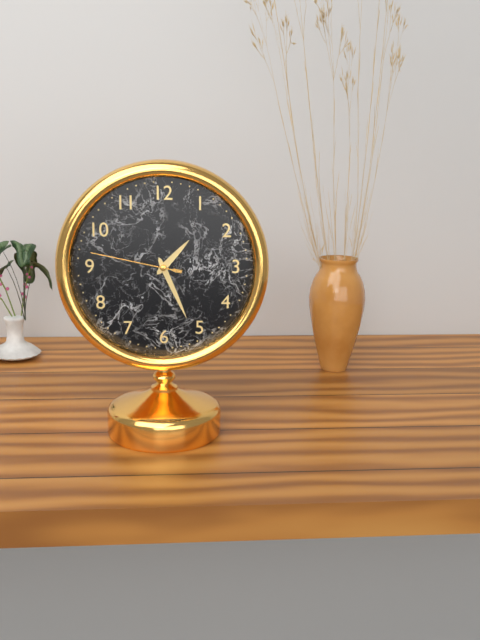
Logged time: 1:26:47
